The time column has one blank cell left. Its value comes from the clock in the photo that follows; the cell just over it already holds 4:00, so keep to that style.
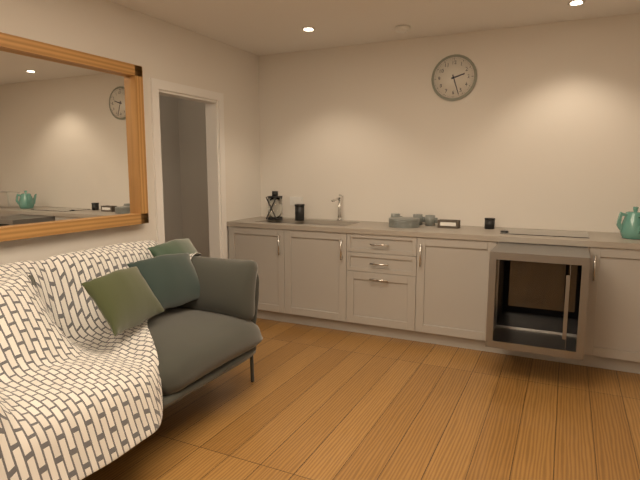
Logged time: 2:27
